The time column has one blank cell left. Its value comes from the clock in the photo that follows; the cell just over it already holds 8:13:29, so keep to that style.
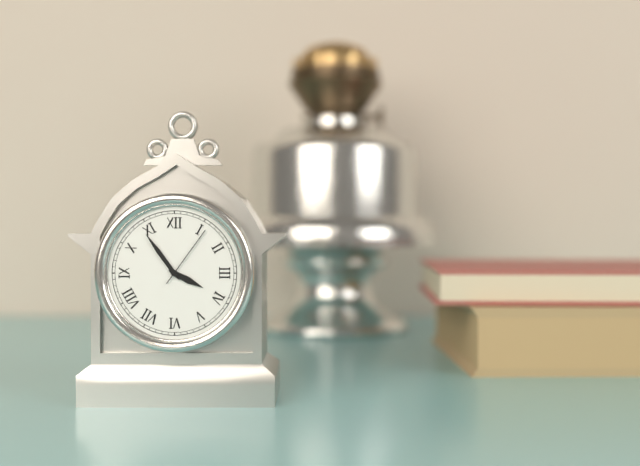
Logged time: 3:54:06
